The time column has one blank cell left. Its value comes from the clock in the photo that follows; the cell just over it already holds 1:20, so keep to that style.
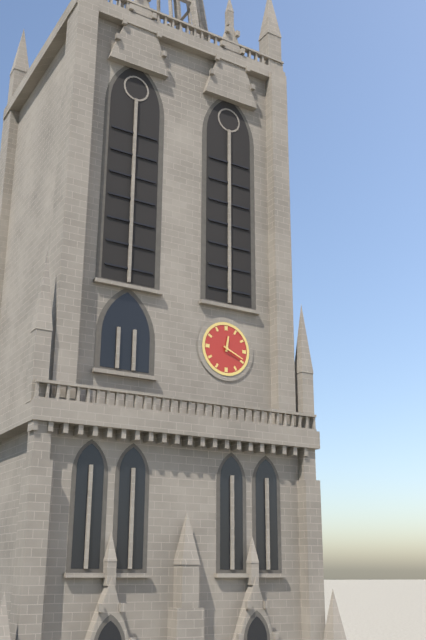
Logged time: 12:19
